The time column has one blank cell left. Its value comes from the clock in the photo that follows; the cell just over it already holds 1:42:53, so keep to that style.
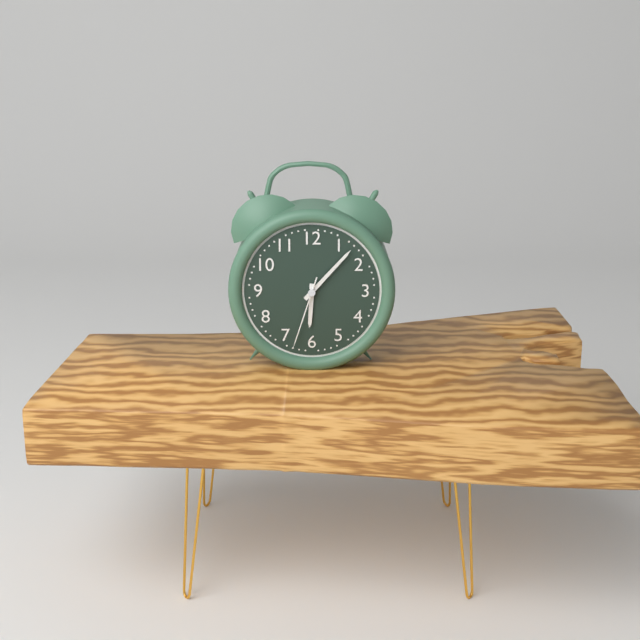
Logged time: 6:07:33
